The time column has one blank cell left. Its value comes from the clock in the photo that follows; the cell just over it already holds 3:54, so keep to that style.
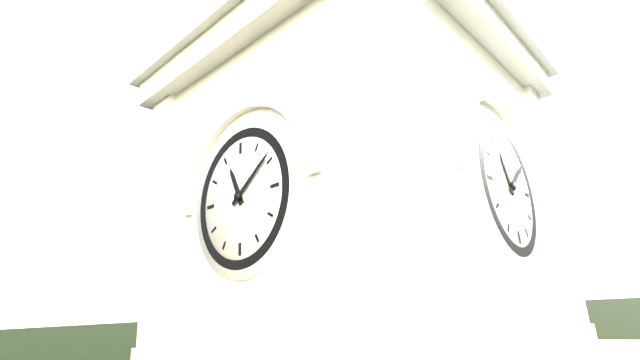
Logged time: 11:09
